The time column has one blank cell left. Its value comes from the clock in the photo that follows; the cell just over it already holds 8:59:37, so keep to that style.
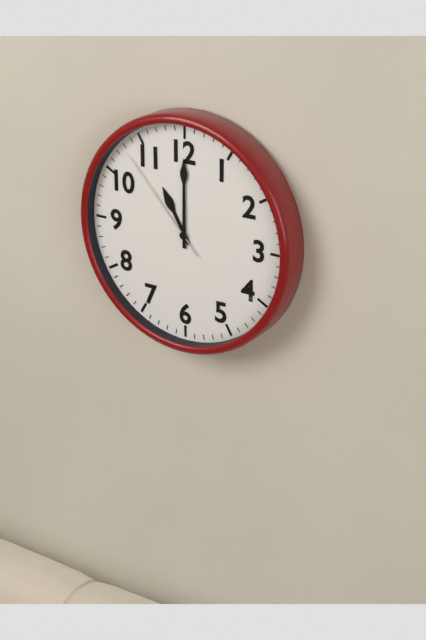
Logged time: 11:00:53
